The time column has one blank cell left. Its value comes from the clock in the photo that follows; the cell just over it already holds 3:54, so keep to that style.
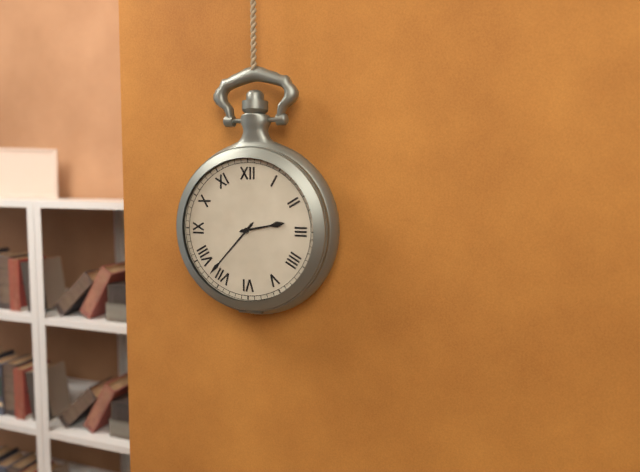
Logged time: 2:37
